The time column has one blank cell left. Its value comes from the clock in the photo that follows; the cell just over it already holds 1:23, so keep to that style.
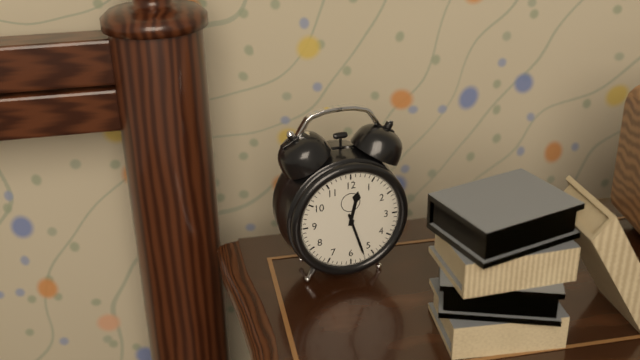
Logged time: 12:27
